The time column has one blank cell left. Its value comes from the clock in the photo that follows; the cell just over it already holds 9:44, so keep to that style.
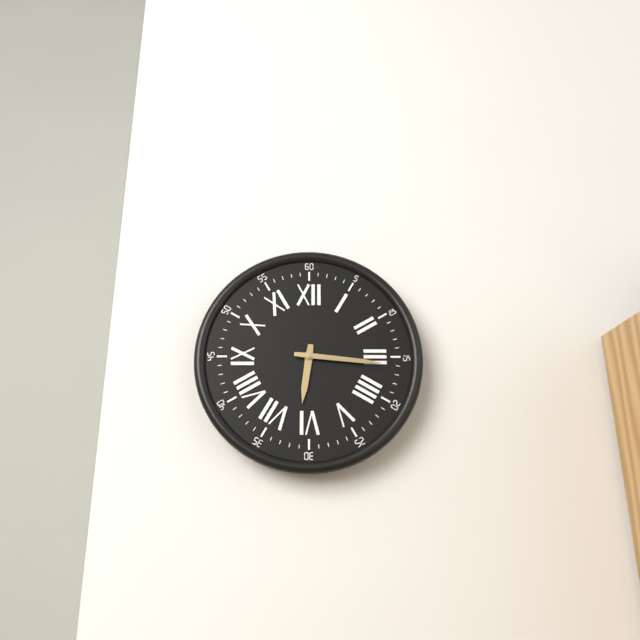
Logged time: 6:16
